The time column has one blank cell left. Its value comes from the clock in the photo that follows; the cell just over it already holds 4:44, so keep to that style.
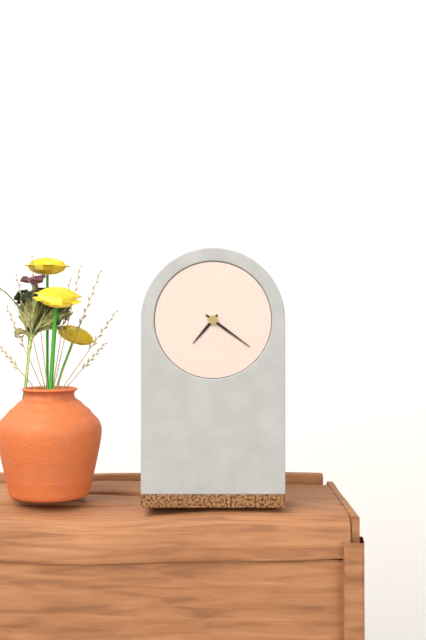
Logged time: 7:21
